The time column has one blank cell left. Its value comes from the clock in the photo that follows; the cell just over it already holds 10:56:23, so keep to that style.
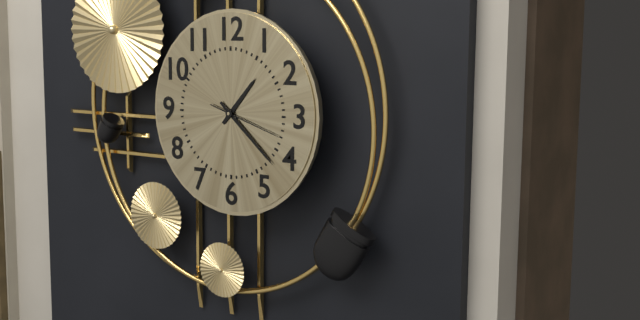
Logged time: 1:22:18
